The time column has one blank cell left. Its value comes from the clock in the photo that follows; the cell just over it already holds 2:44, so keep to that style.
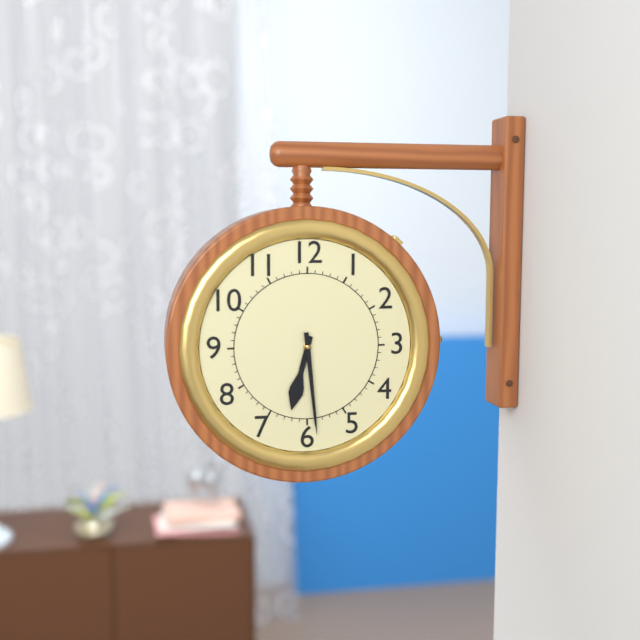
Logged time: 6:29
